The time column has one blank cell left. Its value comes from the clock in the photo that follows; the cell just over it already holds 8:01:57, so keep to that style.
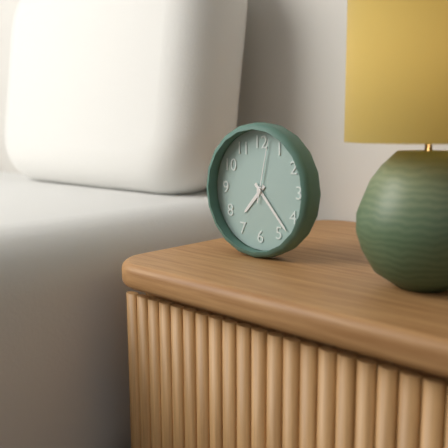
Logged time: 7:23:02
